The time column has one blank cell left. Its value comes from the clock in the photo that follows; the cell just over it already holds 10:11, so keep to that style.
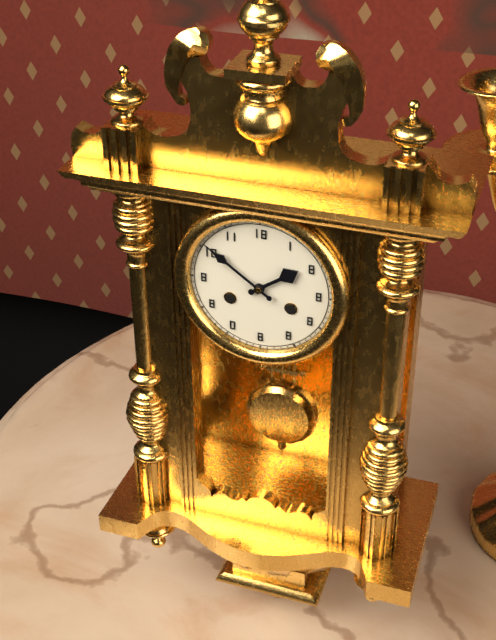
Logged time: 1:51
